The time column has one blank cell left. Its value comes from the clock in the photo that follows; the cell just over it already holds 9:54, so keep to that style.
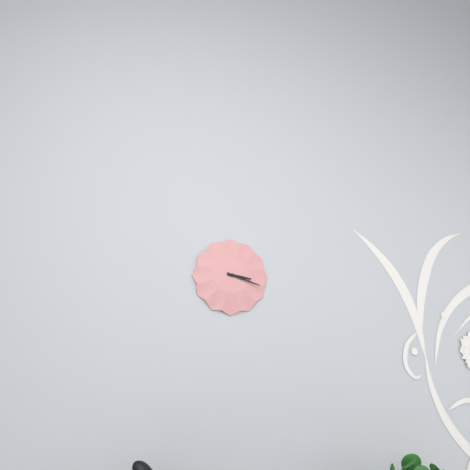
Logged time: 3:18
